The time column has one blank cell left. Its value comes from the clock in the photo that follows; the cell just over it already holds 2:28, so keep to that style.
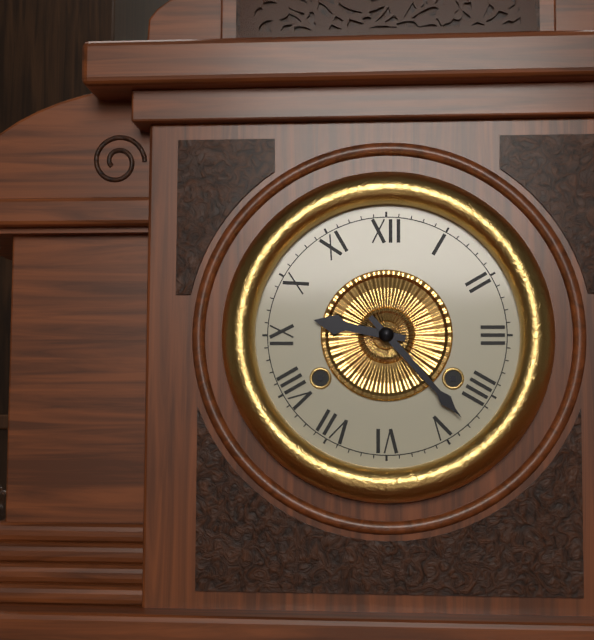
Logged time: 9:23
